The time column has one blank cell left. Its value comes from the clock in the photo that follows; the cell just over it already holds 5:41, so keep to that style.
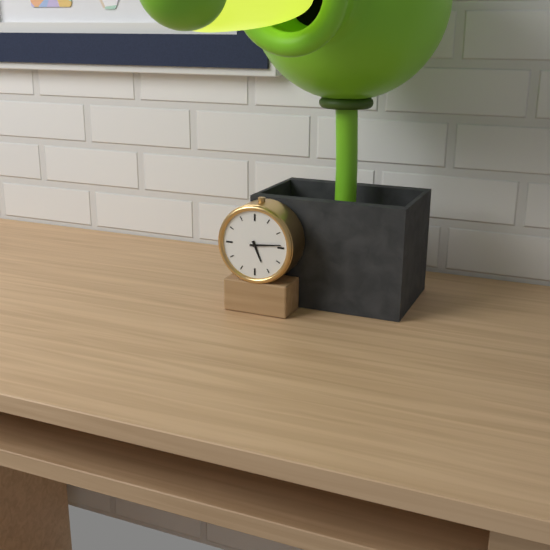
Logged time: 5:14
